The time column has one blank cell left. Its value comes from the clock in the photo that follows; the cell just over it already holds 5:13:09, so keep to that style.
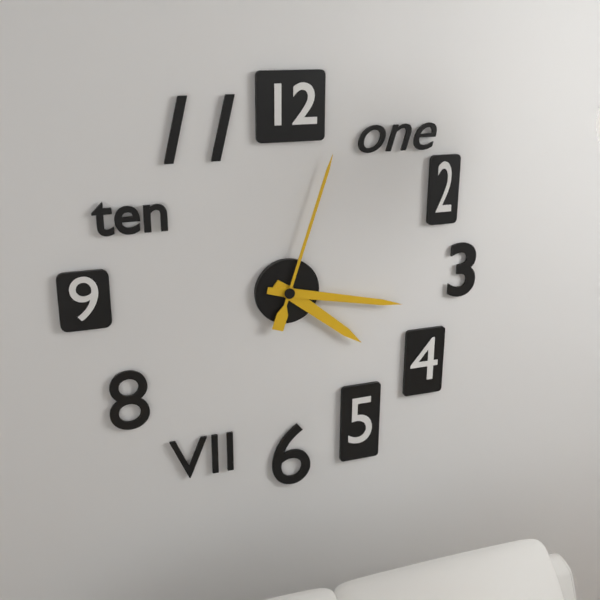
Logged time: 4:17:03
